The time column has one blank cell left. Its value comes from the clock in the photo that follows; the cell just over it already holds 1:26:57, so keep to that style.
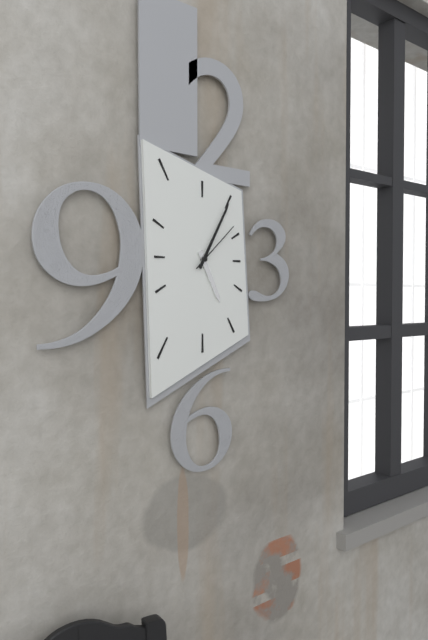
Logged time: 5:05:08
